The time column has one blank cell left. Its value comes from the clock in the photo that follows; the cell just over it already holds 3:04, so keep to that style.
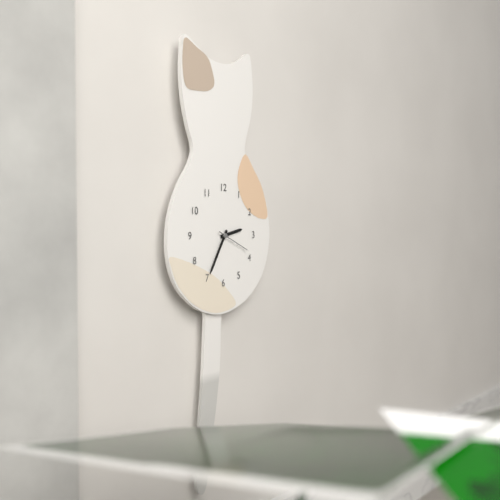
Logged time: 2:35
